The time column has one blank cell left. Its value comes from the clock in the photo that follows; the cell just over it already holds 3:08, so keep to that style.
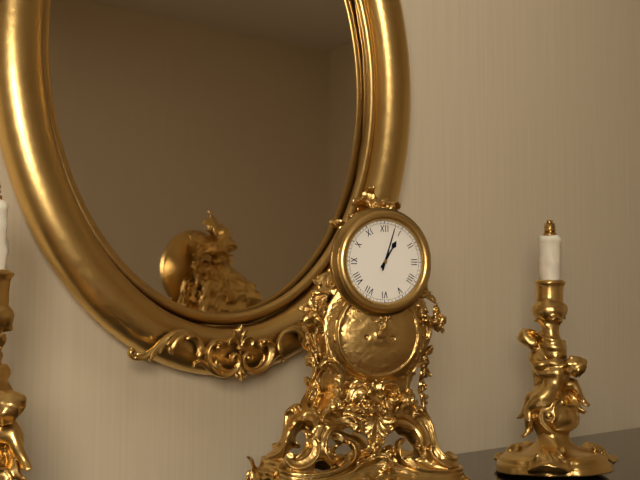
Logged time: 1:03
